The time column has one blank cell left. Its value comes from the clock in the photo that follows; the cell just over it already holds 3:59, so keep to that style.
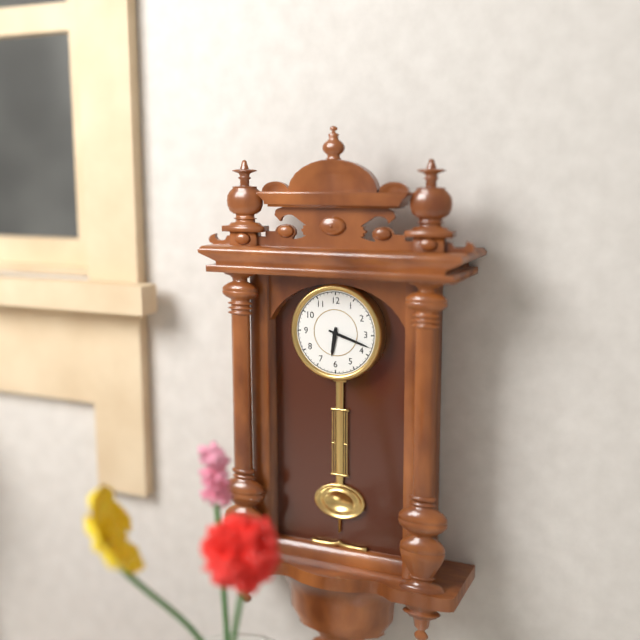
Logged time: 6:18
